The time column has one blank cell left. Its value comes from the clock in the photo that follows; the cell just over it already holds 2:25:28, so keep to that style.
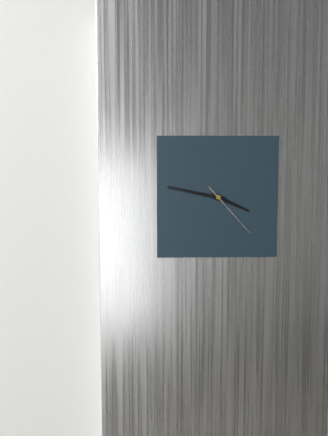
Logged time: 3:47:23
